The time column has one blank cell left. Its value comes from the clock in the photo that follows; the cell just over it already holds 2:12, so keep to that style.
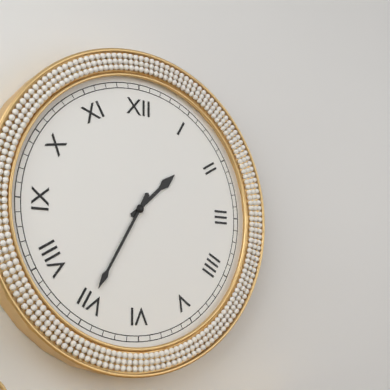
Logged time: 1:35
